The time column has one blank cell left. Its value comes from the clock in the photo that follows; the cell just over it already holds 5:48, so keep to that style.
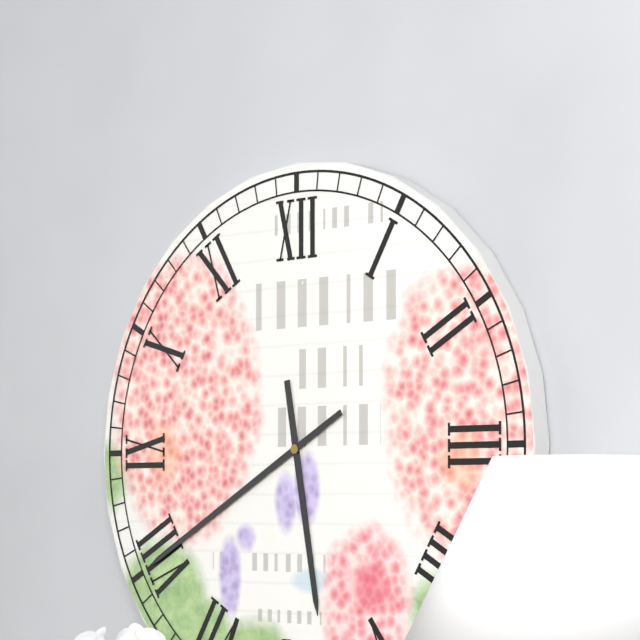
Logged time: 5:40
